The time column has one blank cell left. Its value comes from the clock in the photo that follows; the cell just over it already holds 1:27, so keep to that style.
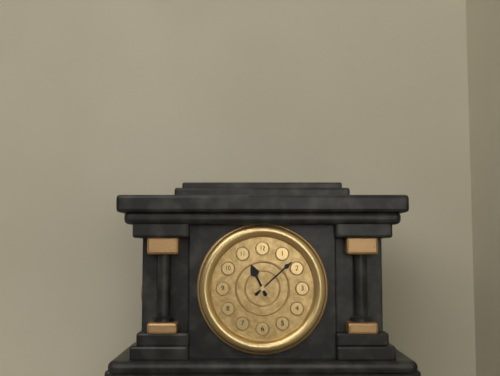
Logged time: 11:08
